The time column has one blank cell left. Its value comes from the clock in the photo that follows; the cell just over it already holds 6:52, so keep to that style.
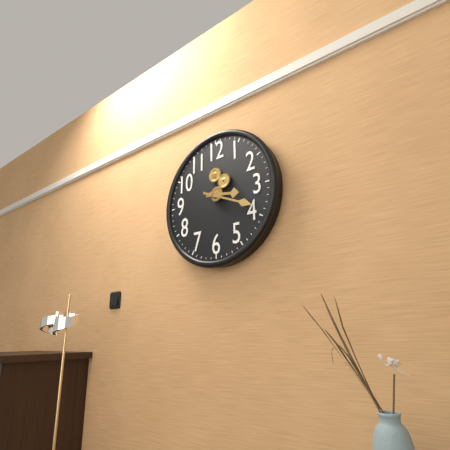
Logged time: 3:19
